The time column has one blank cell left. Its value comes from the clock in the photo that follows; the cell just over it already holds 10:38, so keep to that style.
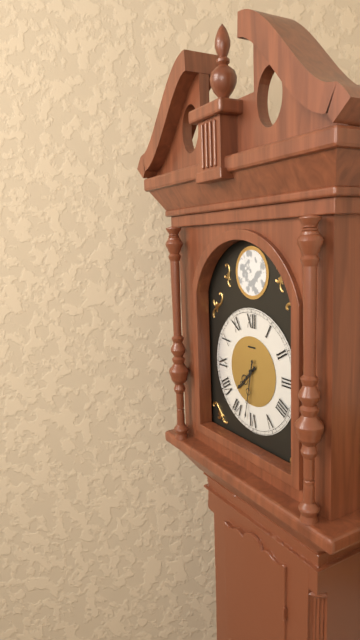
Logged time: 7:32
